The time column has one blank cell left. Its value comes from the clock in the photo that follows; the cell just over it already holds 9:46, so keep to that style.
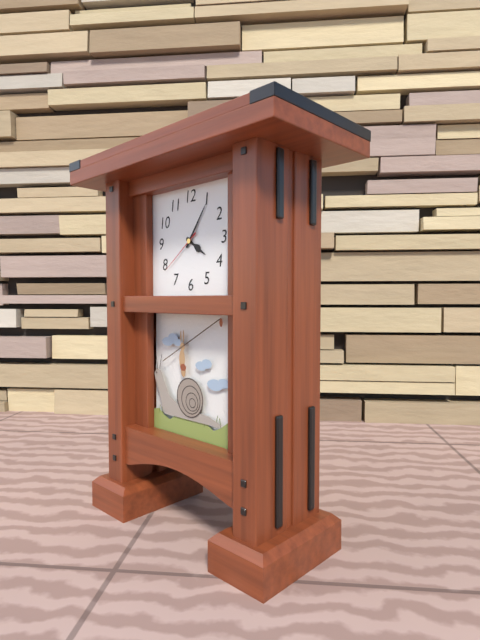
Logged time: 4:06
